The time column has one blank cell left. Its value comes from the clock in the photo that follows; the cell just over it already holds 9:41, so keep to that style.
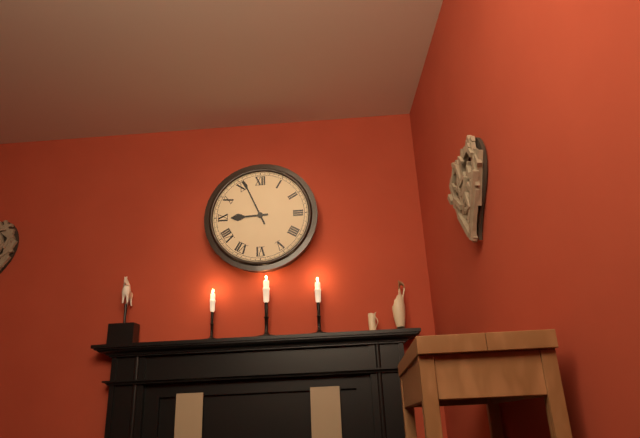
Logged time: 8:56
